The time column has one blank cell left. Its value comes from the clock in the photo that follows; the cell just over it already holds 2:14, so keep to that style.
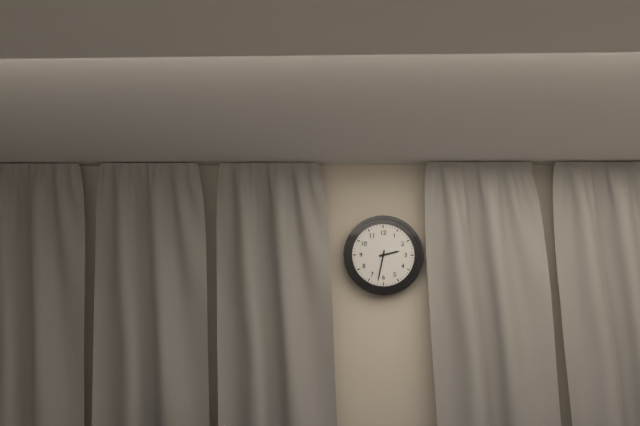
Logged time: 2:32
